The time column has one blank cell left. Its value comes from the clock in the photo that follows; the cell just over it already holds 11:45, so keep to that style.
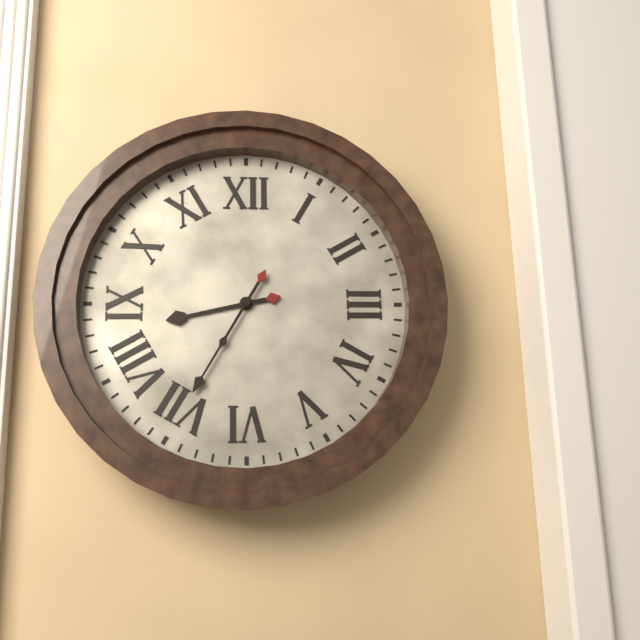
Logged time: 8:35
